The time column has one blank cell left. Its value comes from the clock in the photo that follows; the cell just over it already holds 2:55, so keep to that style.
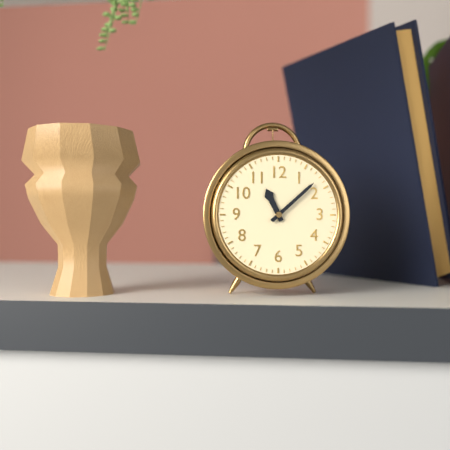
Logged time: 11:08
